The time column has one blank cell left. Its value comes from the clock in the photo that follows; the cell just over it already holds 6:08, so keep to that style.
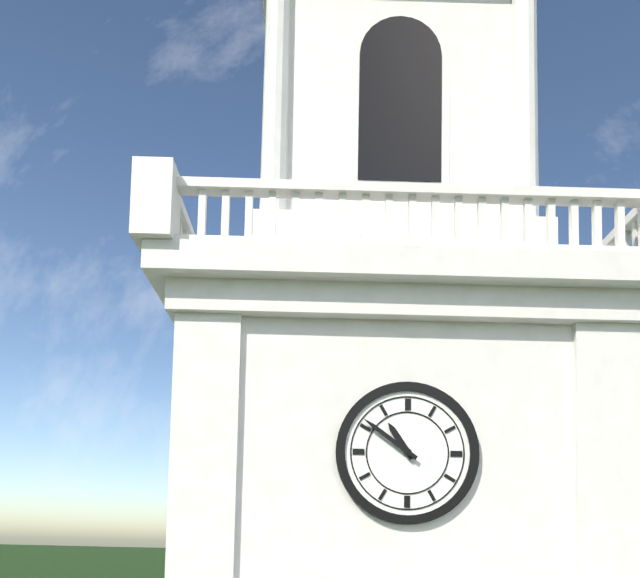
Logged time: 10:51
